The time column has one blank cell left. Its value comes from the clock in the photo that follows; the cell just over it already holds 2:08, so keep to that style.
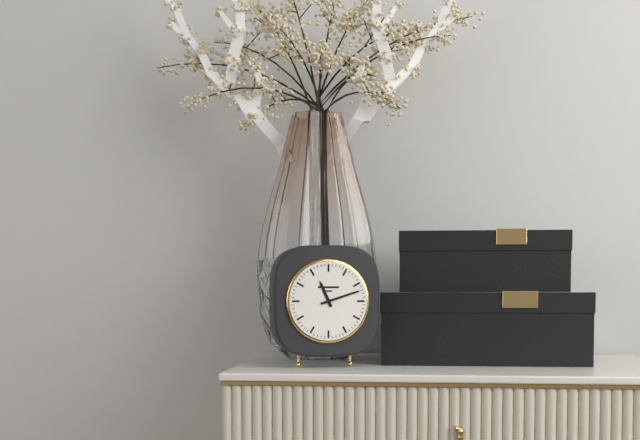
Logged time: 11:12
